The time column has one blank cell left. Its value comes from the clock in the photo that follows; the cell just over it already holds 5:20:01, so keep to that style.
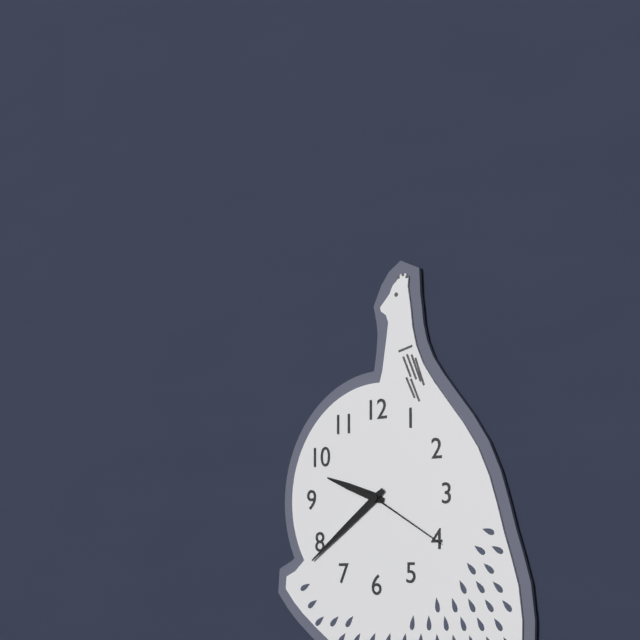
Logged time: 9:39:20
